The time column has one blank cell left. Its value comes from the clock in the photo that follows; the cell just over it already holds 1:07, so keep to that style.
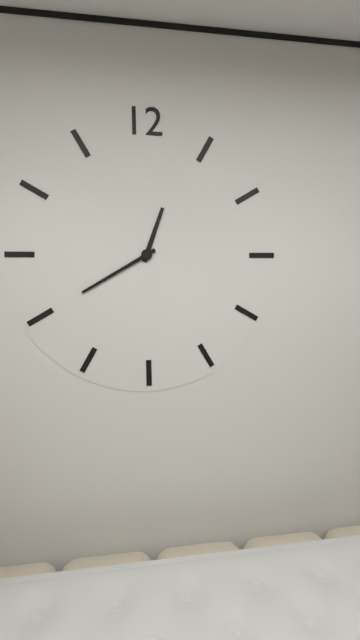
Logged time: 12:40
